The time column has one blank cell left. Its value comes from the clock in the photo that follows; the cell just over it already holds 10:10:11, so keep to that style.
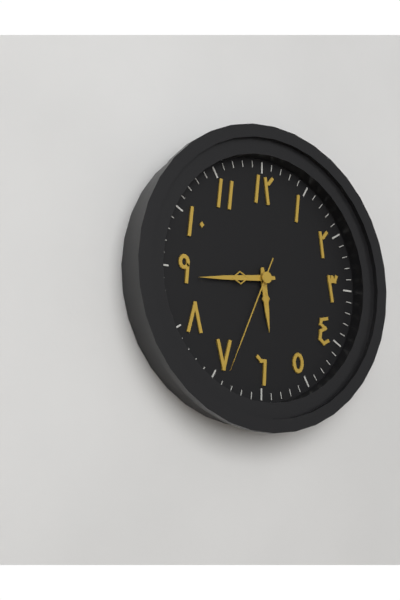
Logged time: 5:44:34
